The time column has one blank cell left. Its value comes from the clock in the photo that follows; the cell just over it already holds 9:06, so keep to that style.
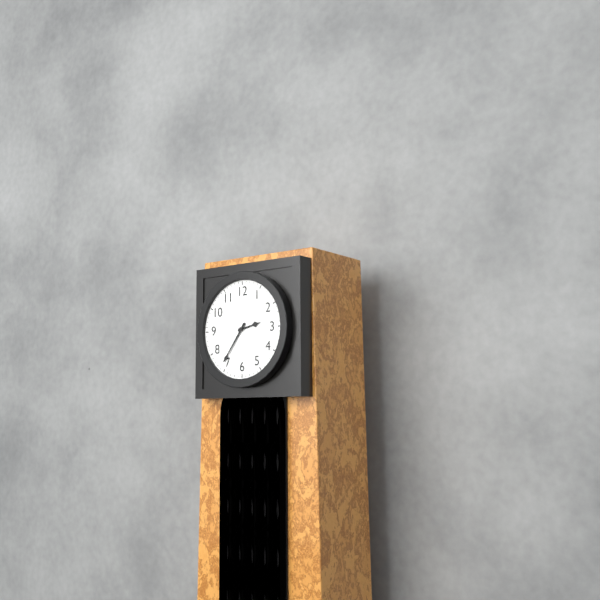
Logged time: 2:36
